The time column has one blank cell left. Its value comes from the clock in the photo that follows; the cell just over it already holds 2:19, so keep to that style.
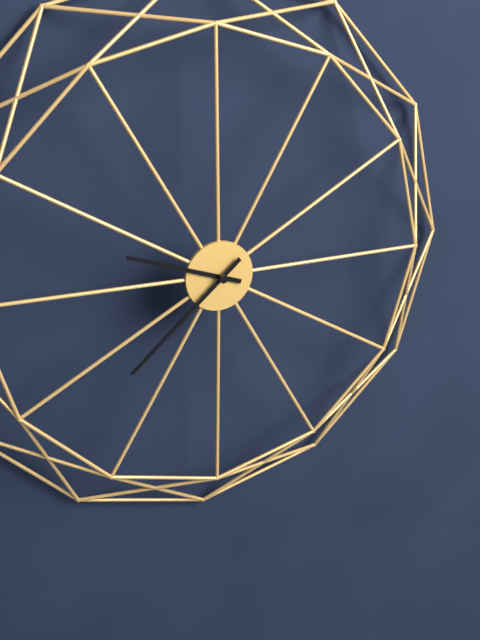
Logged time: 9:38
